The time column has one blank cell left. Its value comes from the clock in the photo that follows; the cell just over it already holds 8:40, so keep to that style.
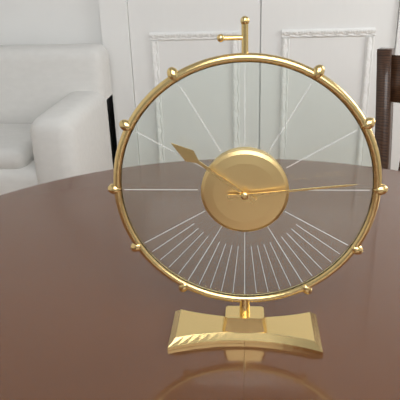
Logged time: 10:14
